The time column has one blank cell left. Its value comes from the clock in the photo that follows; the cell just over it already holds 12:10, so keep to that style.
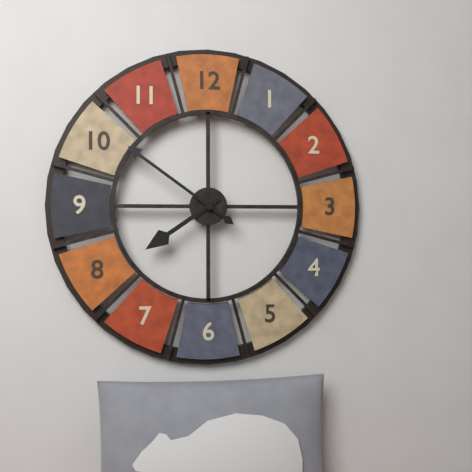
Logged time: 7:51
